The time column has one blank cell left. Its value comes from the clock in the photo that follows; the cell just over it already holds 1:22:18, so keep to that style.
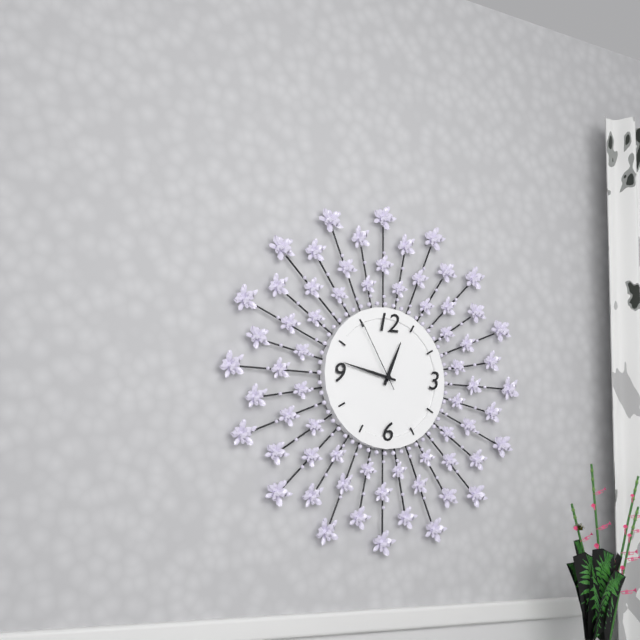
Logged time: 12:47:55
